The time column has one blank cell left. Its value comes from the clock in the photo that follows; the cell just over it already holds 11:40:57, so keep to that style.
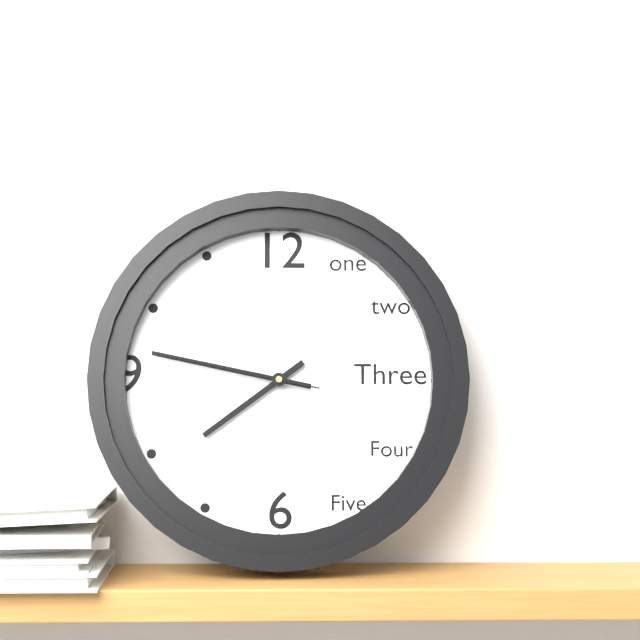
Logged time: 7:47:47
